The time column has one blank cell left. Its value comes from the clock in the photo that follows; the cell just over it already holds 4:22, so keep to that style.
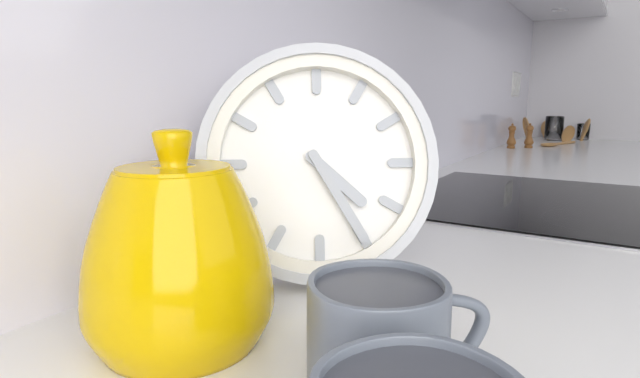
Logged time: 4:25
